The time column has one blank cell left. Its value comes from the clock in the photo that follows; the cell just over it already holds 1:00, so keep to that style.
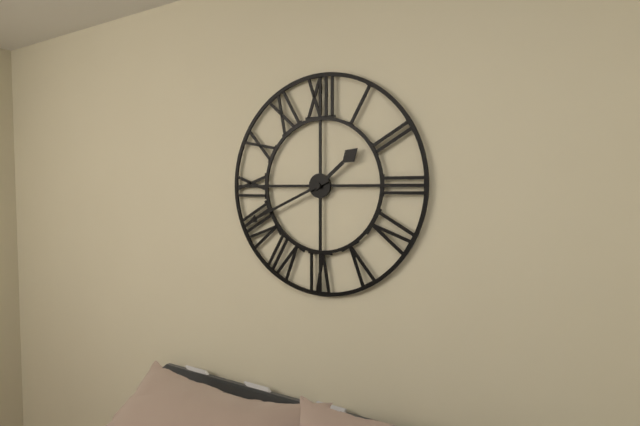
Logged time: 1:41
